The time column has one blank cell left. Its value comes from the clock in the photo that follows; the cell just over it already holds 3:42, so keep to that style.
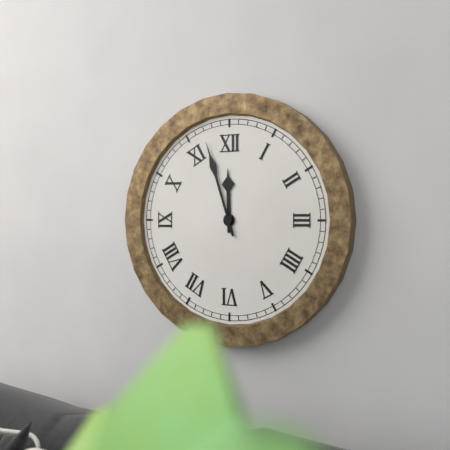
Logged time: 11:57
